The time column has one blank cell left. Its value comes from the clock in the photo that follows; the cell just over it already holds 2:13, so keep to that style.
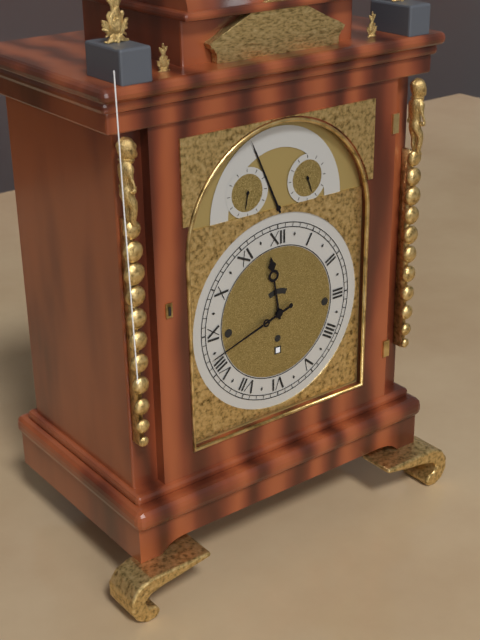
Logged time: 11:42
